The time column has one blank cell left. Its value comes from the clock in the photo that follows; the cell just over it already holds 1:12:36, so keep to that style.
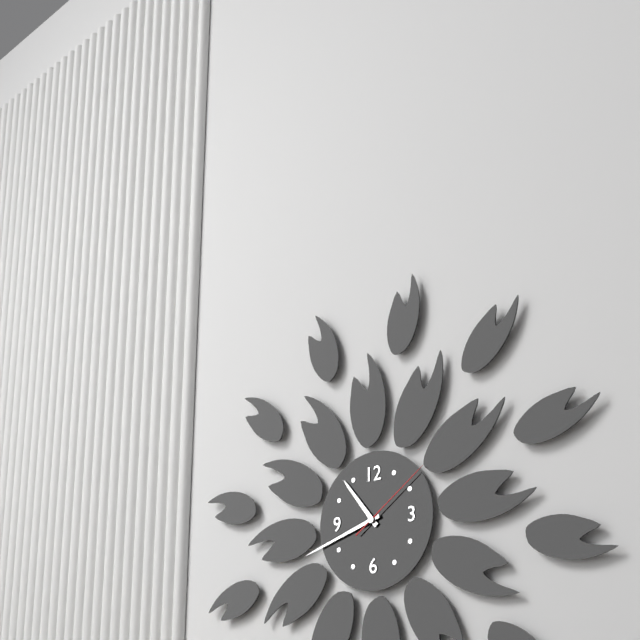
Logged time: 10:42:09
